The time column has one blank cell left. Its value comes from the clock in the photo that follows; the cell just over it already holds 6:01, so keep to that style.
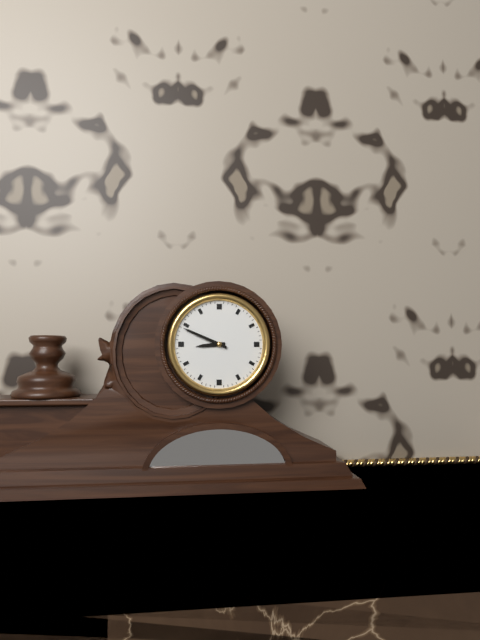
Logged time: 8:49
